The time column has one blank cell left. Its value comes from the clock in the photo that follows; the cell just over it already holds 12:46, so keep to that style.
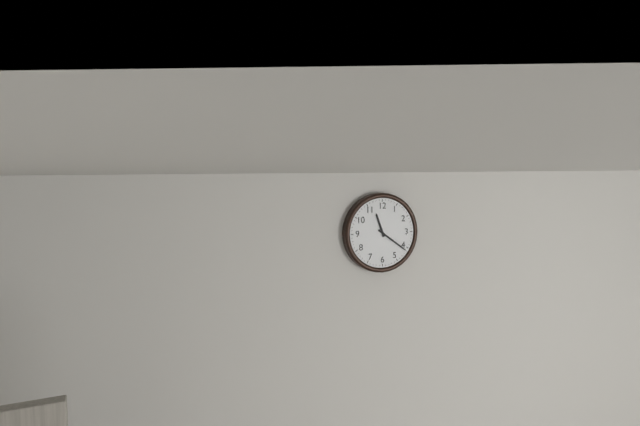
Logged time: 11:21
